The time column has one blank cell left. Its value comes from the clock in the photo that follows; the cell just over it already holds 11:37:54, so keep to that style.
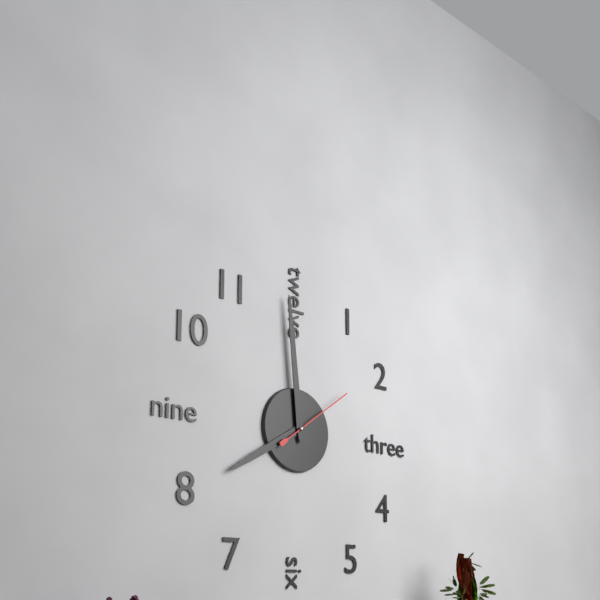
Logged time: 7:59:09
